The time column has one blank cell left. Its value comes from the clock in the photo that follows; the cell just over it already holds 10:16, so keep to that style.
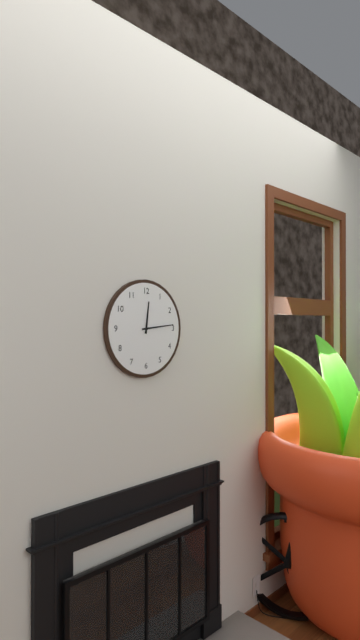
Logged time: 12:14
